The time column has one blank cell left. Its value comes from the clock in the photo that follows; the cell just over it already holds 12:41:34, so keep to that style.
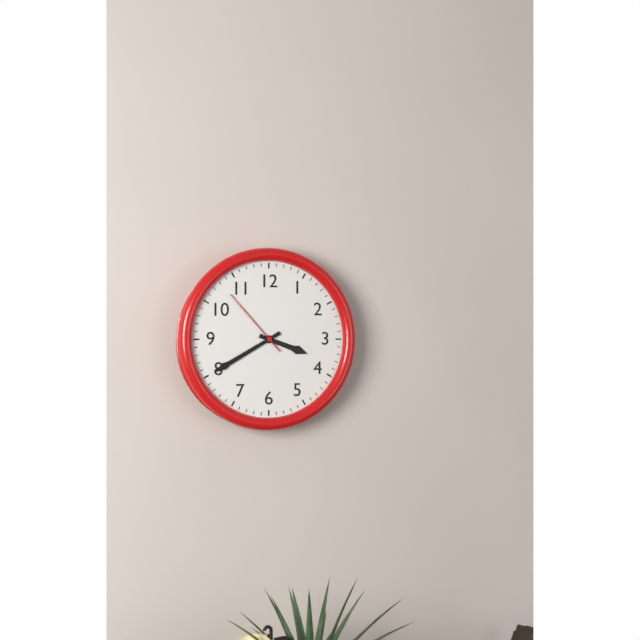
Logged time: 3:40:53
